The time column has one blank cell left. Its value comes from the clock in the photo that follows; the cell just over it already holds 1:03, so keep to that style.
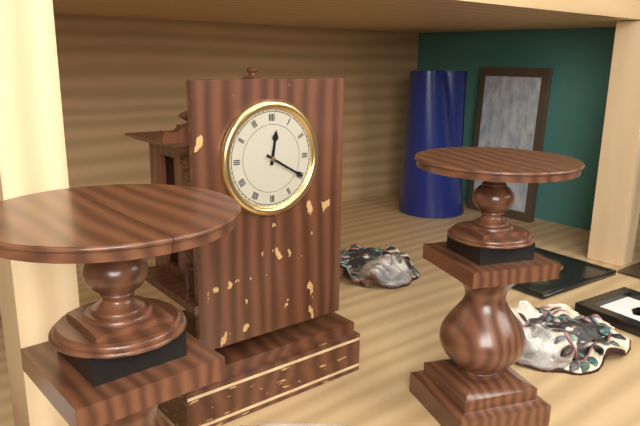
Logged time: 12:20
